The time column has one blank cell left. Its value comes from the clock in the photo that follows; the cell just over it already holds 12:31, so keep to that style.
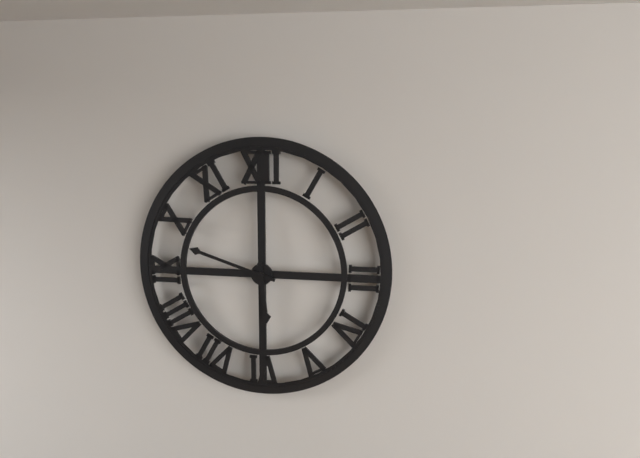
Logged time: 5:48
